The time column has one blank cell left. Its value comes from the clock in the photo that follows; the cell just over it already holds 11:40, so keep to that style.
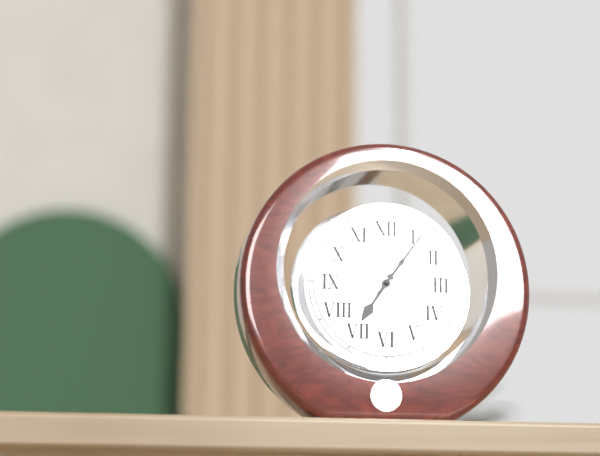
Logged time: 7:06
